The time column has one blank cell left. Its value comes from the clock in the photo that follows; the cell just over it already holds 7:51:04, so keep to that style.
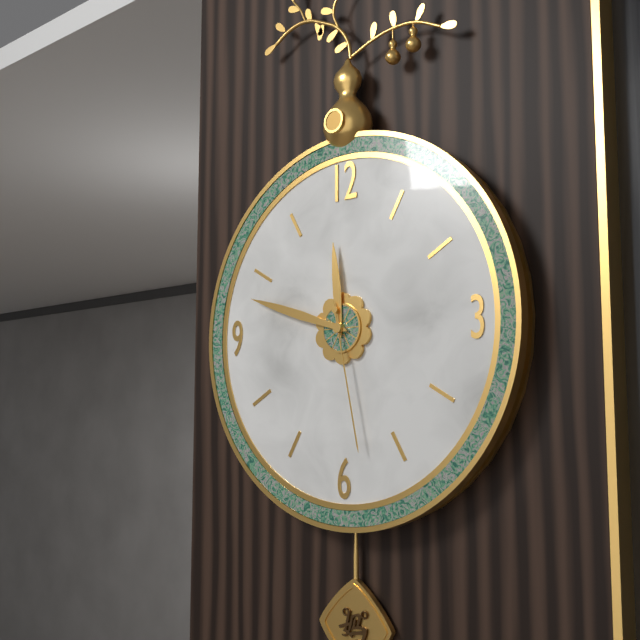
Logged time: 11:48:28
